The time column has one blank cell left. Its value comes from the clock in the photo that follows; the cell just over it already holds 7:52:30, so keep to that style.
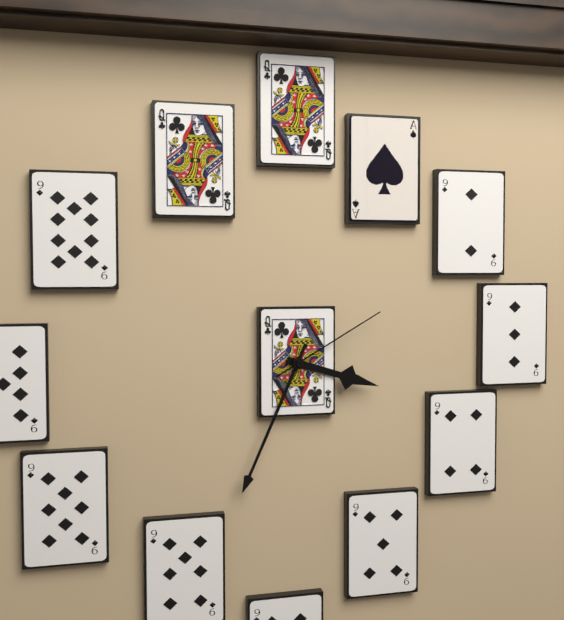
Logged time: 3:34:10
